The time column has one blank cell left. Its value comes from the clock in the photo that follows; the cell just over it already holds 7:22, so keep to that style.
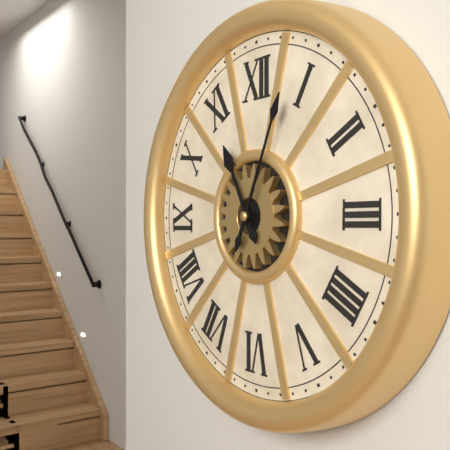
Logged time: 11:04
